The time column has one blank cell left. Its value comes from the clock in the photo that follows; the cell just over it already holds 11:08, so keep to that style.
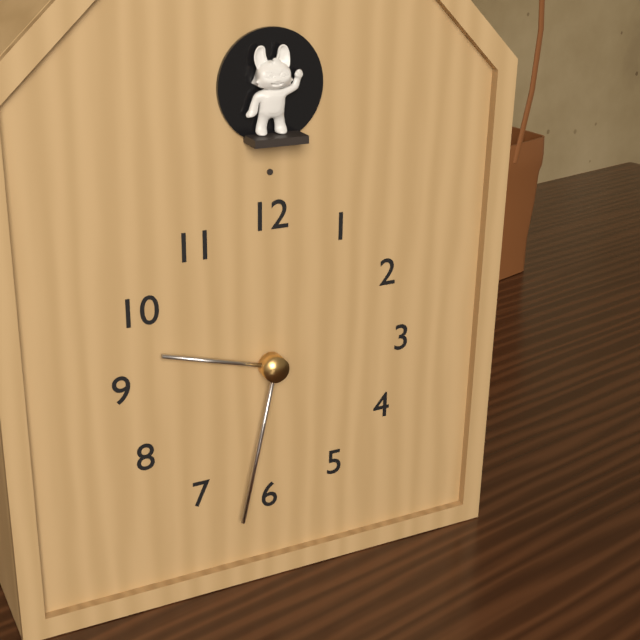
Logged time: 9:32
